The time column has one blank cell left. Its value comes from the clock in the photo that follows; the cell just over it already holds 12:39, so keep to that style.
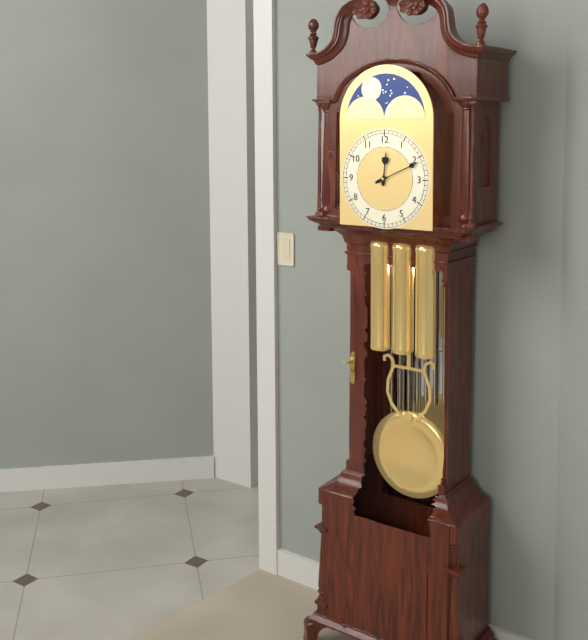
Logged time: 12:11
